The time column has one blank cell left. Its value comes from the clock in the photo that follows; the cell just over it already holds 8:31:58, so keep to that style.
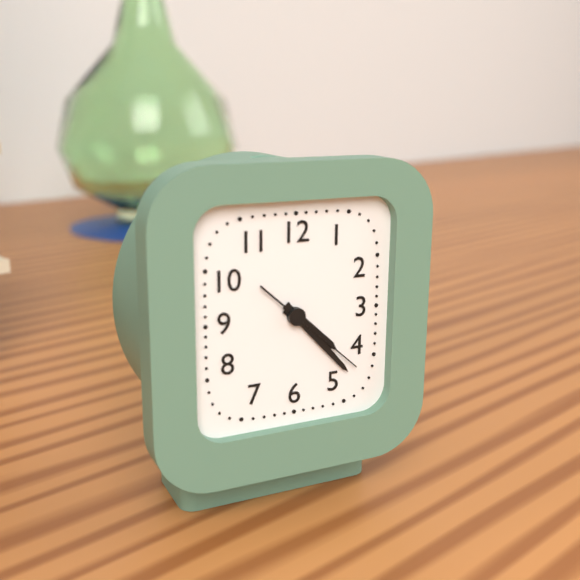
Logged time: 4:23:22
